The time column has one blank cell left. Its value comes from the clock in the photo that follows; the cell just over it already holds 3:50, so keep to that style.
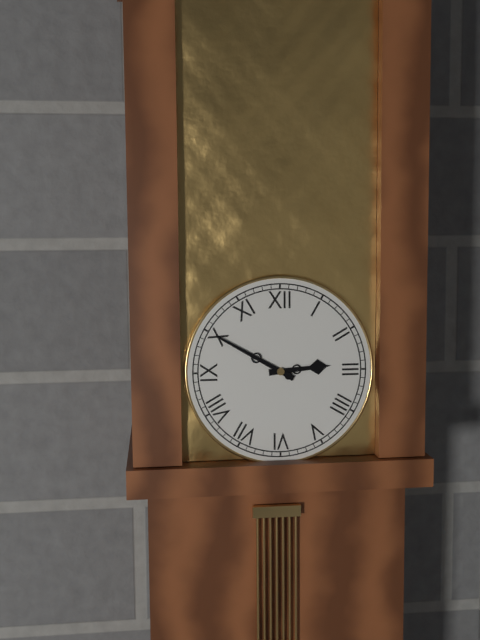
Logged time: 2:50
